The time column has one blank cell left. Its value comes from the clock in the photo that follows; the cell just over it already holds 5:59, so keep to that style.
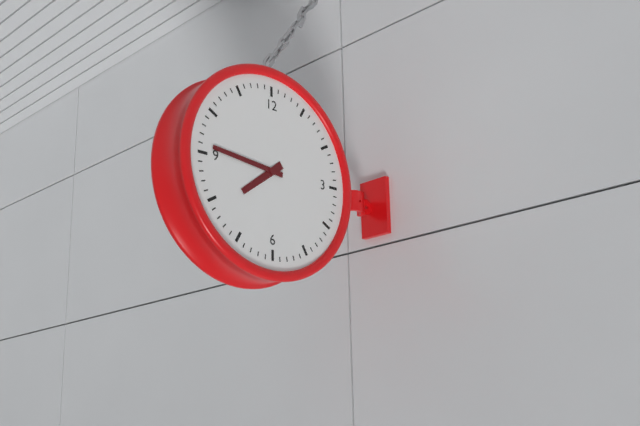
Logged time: 7:46
